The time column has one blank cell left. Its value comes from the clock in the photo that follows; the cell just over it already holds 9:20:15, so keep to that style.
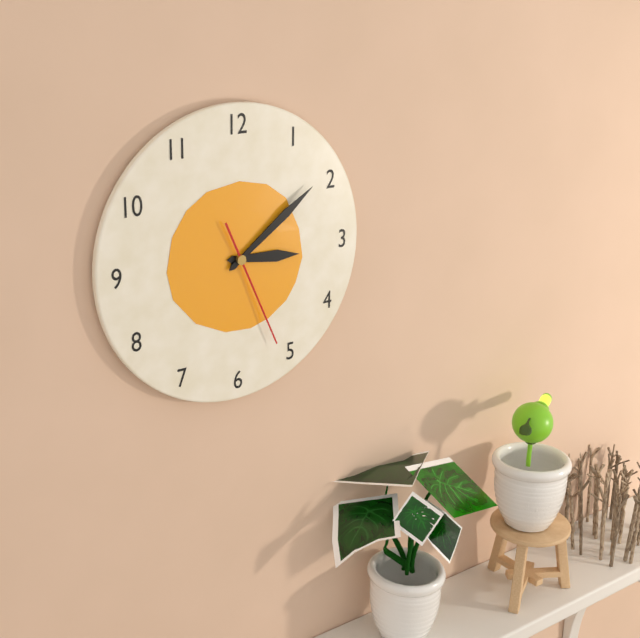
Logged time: 3:09:26
